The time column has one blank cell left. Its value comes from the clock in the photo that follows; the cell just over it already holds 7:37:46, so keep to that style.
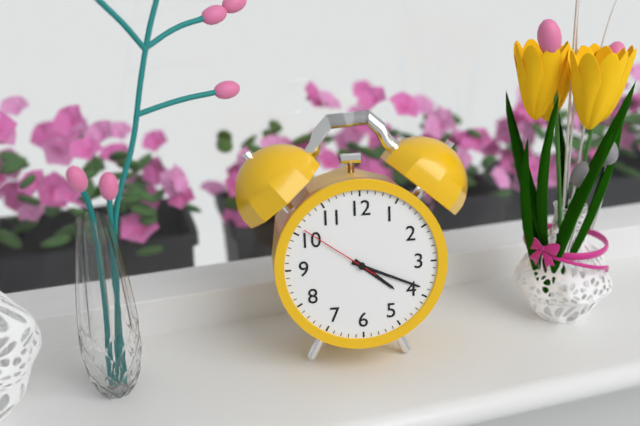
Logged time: 4:19:51
